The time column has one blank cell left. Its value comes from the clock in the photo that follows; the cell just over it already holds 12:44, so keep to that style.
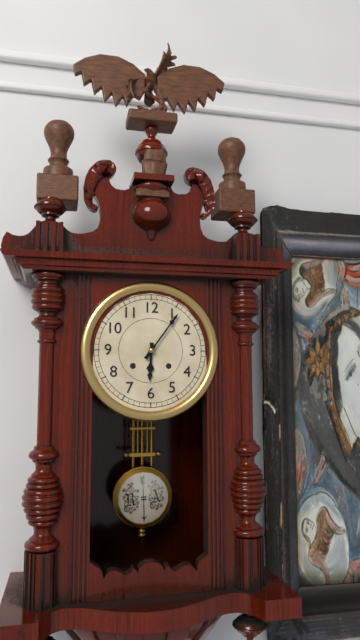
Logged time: 6:06
